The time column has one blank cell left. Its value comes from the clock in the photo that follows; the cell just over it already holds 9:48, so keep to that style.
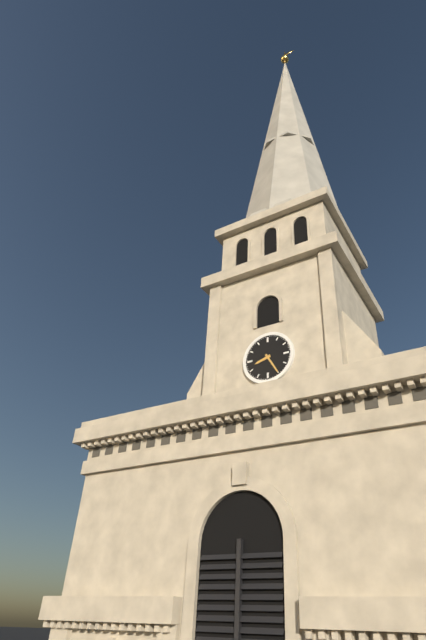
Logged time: 8:25
